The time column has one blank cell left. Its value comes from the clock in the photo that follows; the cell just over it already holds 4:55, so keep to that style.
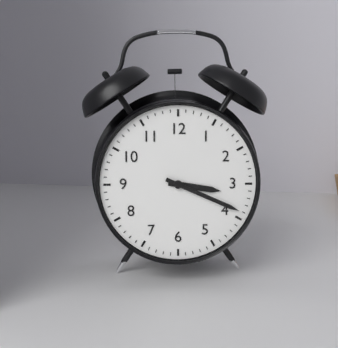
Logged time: 3:19
